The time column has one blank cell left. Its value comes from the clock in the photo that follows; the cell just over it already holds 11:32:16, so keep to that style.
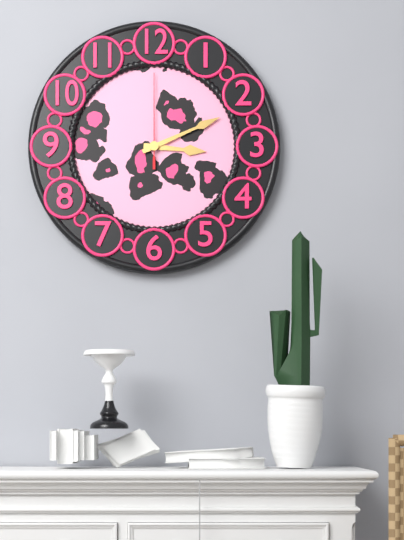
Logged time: 3:11:00
